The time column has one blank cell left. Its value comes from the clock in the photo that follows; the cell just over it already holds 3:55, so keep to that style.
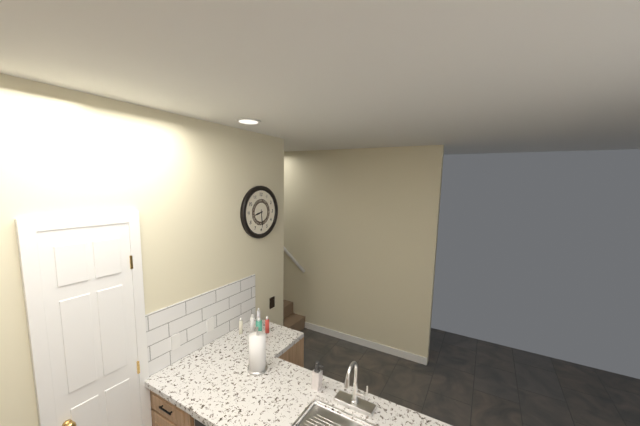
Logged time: 8:29
